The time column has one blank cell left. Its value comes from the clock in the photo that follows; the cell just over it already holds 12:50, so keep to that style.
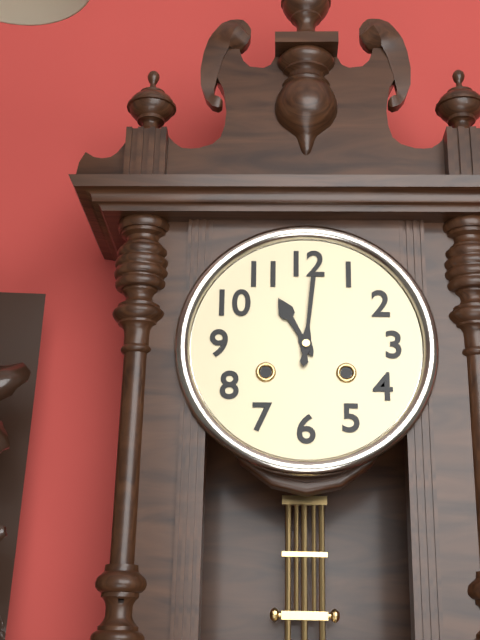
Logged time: 11:01
